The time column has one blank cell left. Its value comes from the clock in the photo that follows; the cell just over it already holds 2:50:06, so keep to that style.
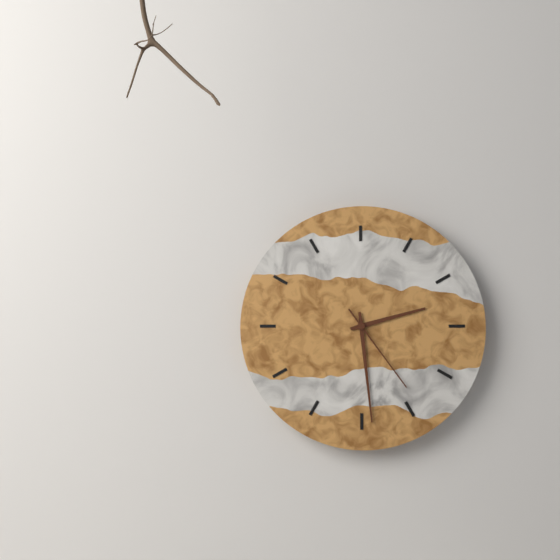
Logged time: 2:29:24
